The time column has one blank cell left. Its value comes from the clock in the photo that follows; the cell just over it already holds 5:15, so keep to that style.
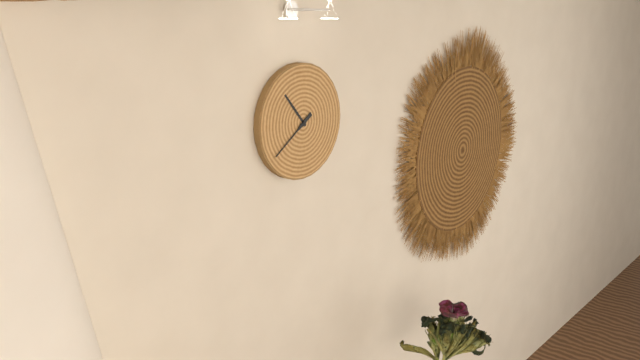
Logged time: 10:39
